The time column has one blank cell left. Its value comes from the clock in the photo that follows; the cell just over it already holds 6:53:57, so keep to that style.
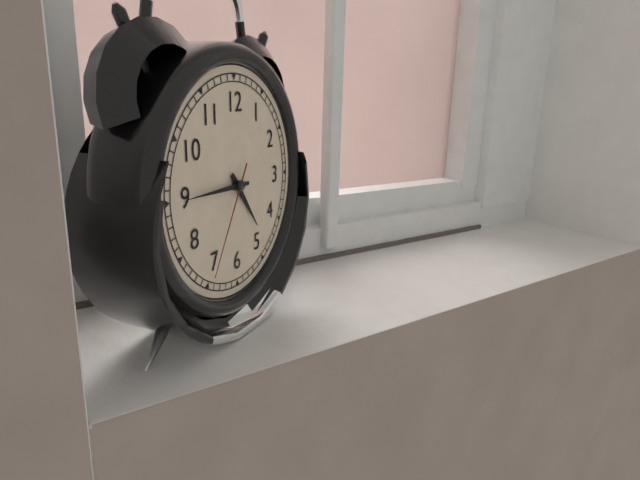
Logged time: 4:45:35
